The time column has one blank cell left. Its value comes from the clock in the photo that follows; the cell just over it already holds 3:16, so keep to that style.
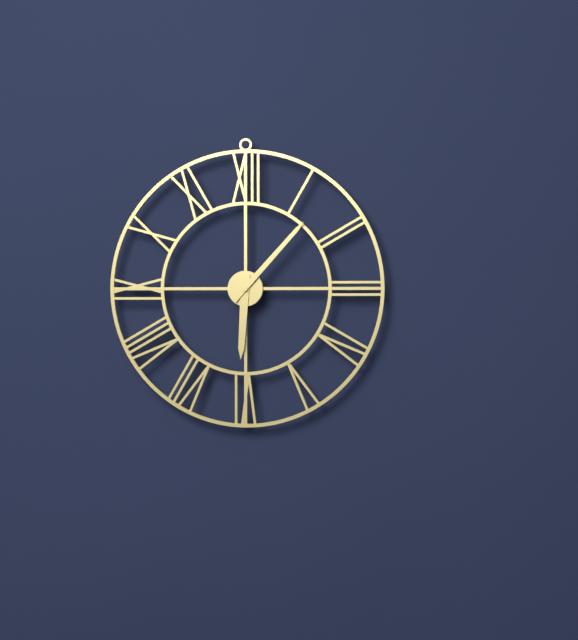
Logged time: 6:07
